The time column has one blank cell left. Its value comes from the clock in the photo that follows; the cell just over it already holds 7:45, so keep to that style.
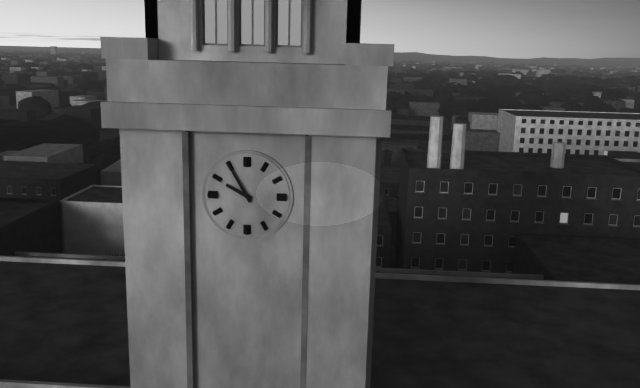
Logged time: 9:55
